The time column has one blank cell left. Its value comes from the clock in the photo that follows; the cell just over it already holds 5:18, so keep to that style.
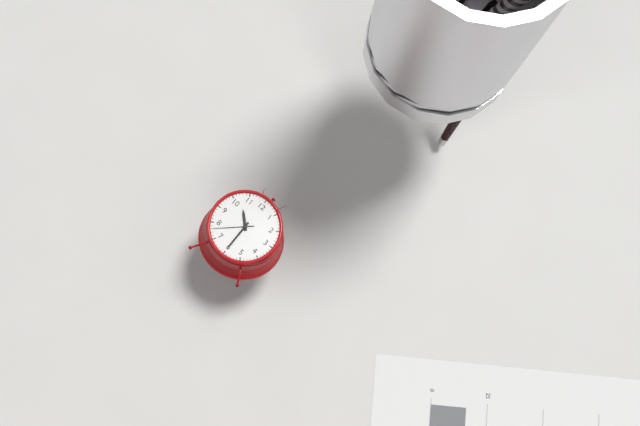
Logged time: 10:30
